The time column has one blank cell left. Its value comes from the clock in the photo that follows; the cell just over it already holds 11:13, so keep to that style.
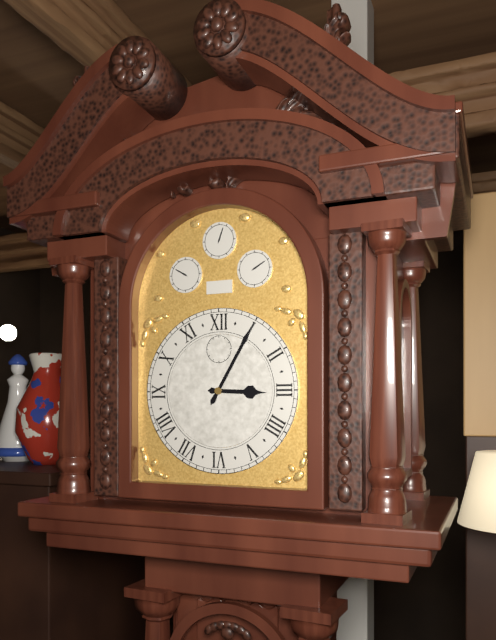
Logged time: 3:05
